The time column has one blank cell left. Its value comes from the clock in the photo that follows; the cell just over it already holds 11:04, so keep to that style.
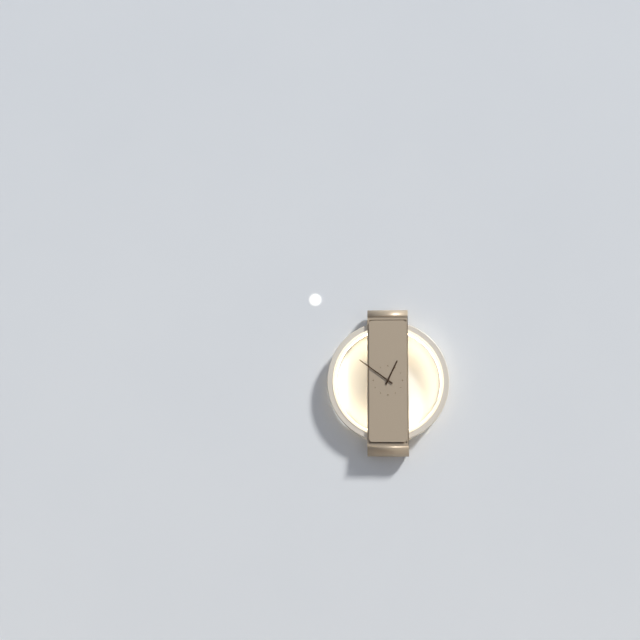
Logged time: 12:51
